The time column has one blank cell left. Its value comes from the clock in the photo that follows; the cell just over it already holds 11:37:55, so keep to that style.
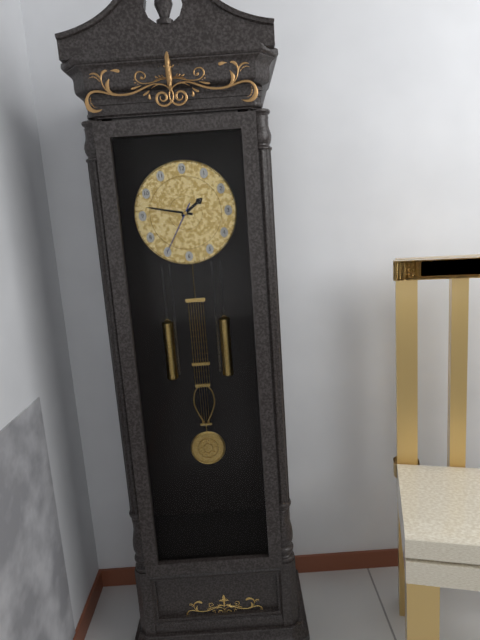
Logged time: 1:47:35
